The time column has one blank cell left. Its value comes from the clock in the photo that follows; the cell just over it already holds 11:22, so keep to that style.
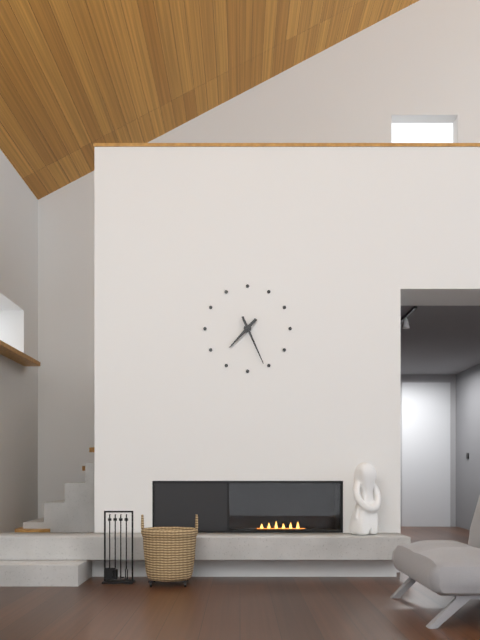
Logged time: 7:26
